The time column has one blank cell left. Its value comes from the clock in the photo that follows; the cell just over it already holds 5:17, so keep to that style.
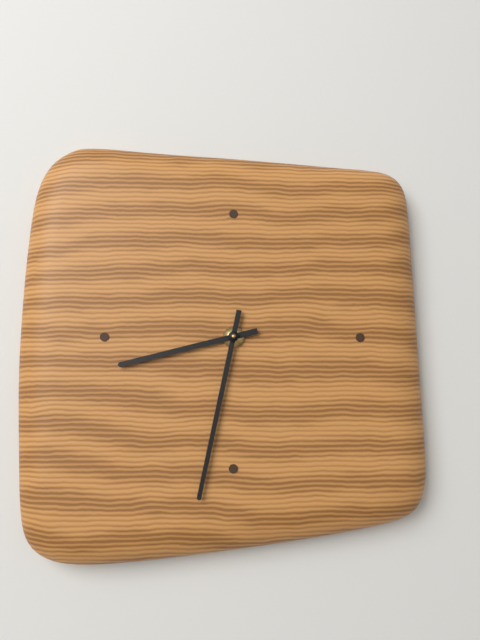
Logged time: 8:32
